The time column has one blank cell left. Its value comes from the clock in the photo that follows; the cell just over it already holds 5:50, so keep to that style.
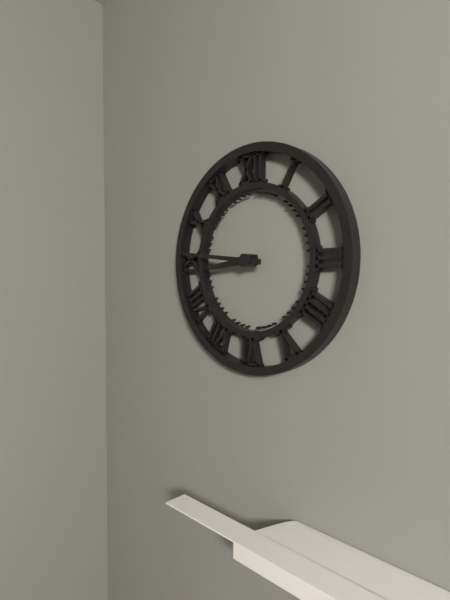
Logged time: 8:46
